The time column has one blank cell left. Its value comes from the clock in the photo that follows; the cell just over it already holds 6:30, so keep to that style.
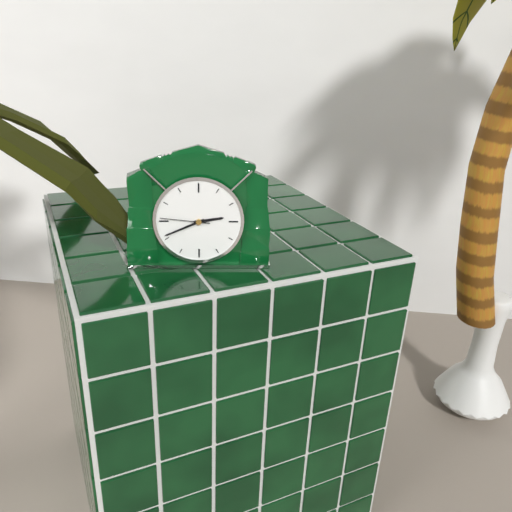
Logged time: 2:41
